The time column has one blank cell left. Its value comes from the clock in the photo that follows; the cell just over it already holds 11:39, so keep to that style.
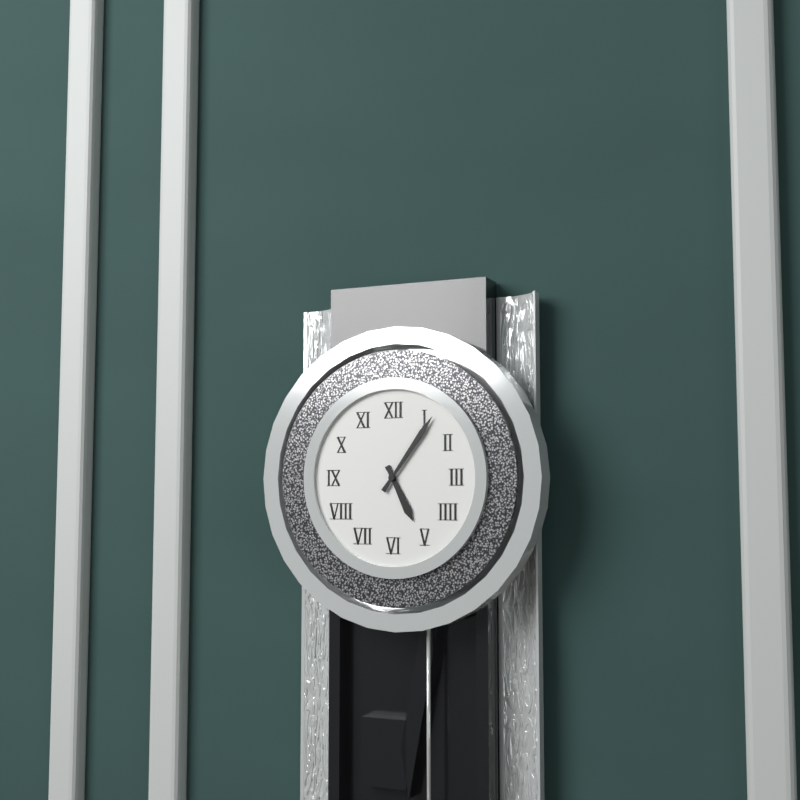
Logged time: 5:06
